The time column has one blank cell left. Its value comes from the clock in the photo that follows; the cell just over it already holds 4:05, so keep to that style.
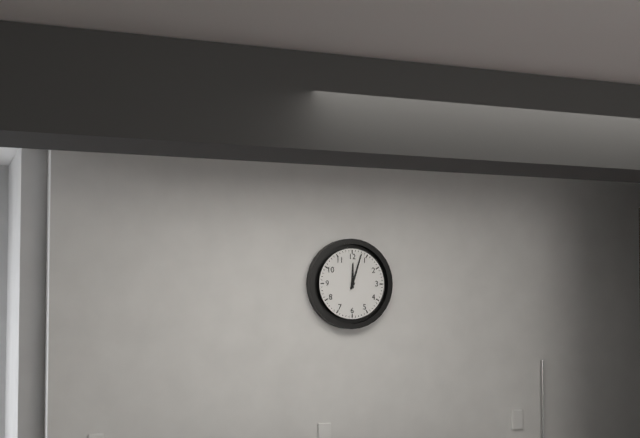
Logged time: 12:03
